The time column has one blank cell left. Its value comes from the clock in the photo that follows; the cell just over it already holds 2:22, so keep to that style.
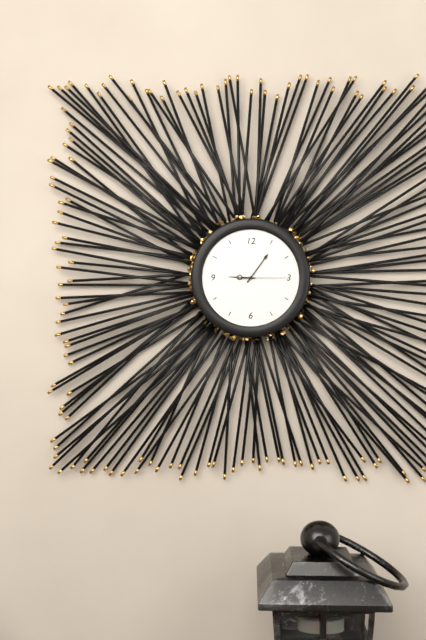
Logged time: 9:06
